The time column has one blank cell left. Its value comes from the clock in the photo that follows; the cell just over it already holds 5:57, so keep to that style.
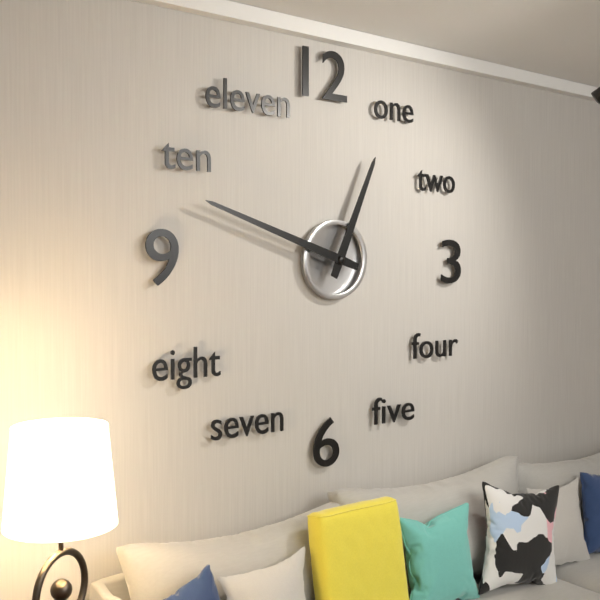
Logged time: 12:48
